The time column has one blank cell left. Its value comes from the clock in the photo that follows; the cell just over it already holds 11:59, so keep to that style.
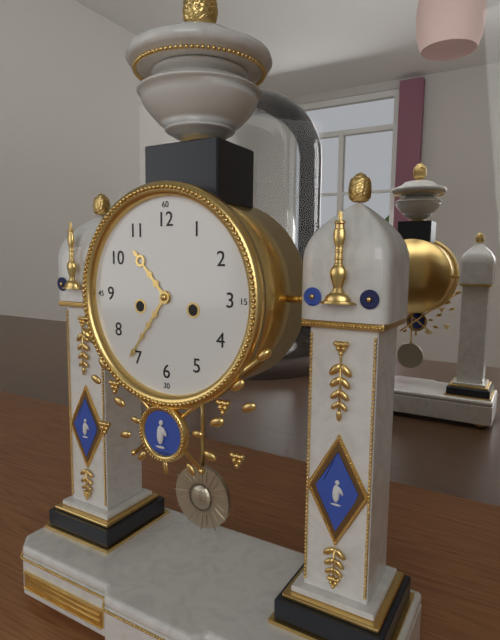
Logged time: 10:36
